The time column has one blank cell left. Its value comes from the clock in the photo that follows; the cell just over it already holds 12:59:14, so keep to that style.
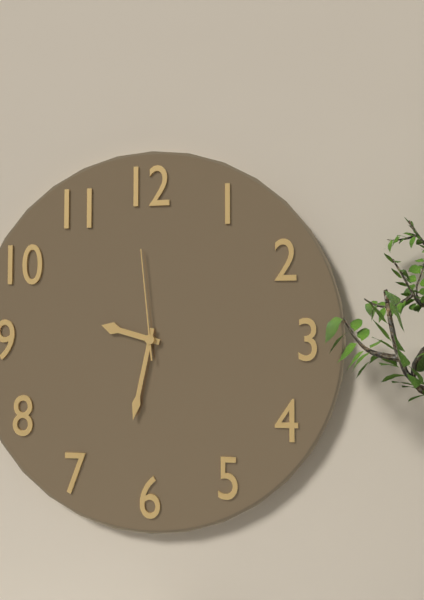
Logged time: 9:32:59
